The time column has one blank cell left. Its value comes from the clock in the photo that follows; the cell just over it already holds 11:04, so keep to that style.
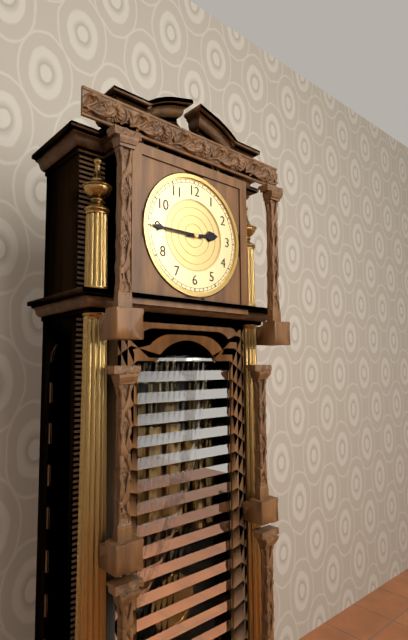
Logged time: 2:45
